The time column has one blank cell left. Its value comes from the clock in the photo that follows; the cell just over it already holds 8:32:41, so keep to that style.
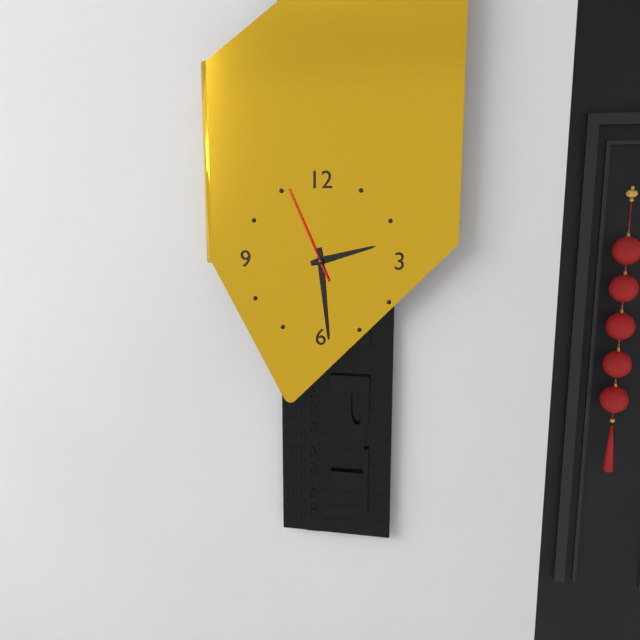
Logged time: 2:29:56
